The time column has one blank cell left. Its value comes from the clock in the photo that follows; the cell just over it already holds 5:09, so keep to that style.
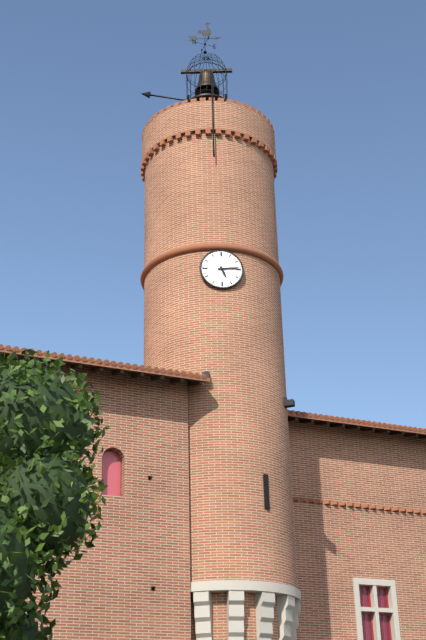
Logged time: 5:14
